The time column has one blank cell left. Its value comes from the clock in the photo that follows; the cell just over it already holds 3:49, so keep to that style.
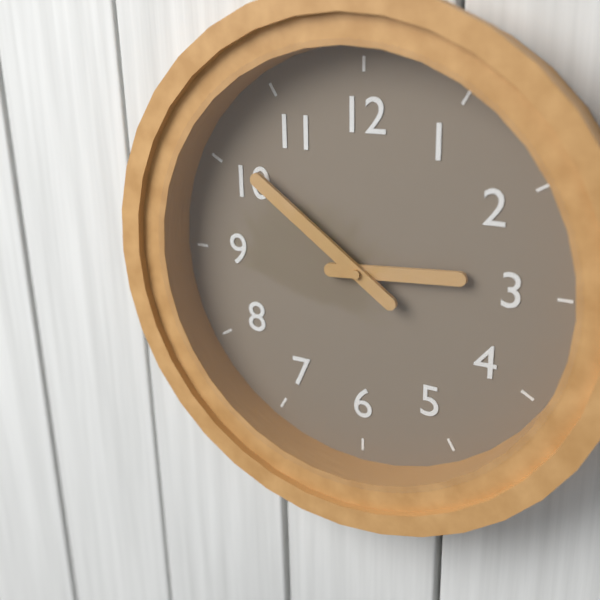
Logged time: 2:51
